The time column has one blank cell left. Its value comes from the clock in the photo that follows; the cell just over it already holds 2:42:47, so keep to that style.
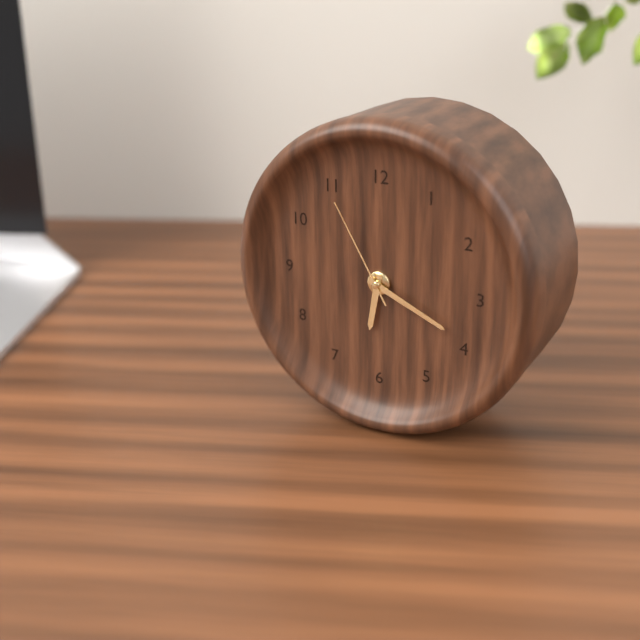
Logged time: 6:19:55
